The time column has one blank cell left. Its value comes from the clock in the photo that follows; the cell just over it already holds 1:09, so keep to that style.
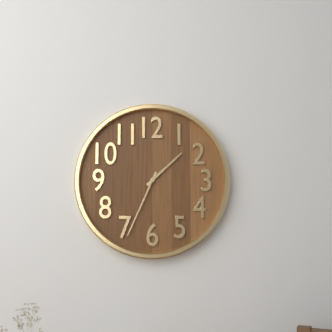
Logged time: 1:34
